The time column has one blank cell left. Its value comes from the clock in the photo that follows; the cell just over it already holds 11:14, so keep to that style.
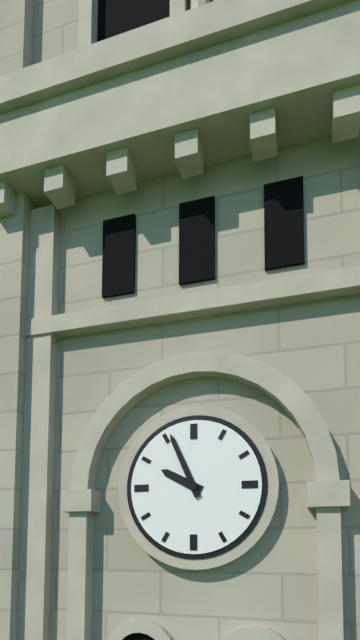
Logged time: 9:56
